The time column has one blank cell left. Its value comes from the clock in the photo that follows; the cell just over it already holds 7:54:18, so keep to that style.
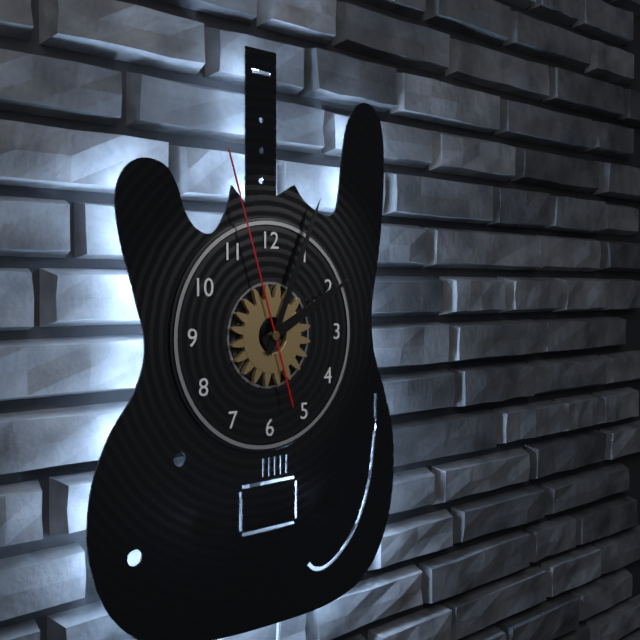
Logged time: 2:04:57
